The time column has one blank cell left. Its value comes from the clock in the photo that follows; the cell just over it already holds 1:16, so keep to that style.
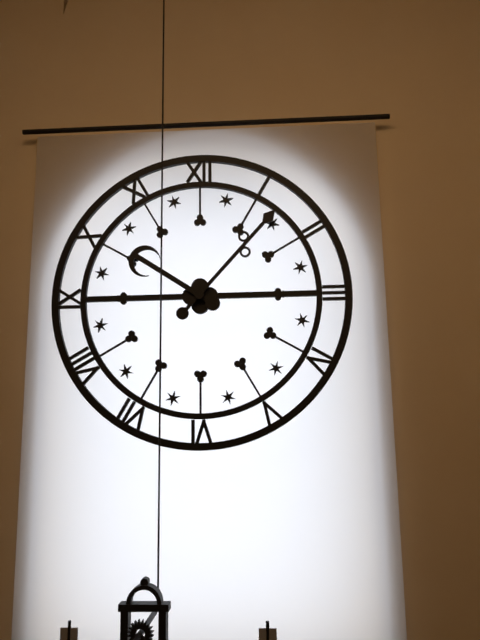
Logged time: 10:07
